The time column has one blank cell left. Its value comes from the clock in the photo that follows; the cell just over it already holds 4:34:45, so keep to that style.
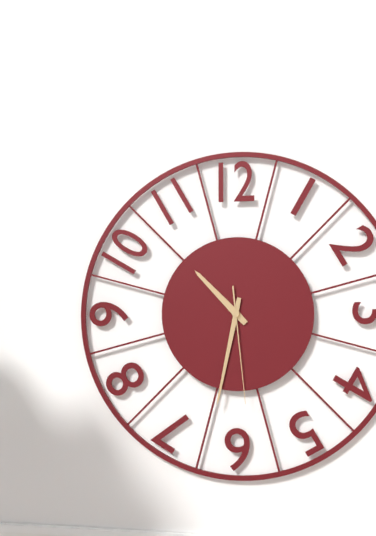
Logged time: 10:32:29
